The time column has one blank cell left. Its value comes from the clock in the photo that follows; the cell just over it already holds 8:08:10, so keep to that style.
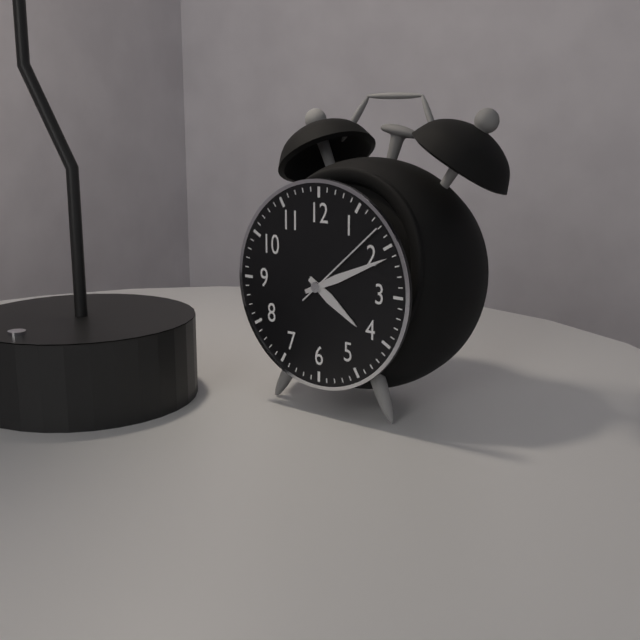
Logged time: 4:11:08
